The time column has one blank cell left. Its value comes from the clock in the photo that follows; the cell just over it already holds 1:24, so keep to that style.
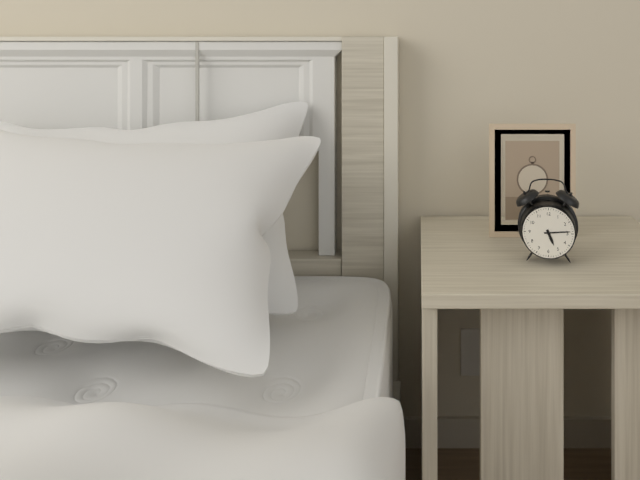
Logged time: 5:14
